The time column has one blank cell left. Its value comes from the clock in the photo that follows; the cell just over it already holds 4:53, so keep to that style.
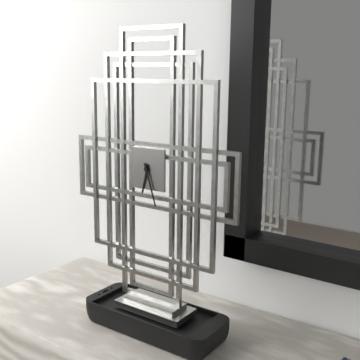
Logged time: 6:27
